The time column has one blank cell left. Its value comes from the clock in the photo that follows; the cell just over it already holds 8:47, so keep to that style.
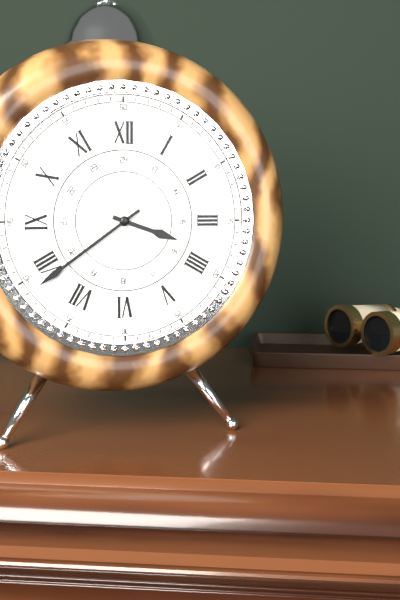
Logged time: 3:39
